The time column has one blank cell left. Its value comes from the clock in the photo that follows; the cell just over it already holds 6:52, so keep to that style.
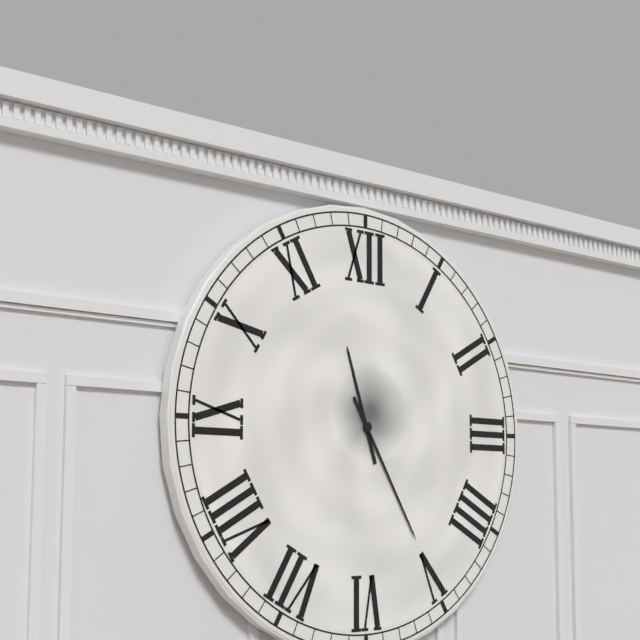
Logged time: 11:25
